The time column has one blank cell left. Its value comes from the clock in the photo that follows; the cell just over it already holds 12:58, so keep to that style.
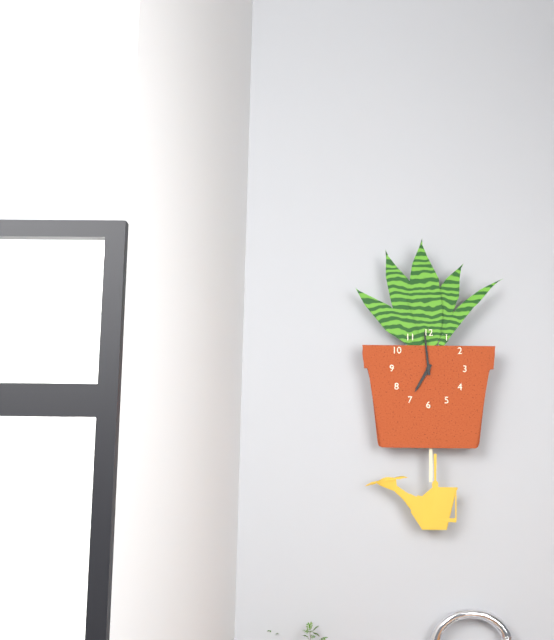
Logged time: 6:59
